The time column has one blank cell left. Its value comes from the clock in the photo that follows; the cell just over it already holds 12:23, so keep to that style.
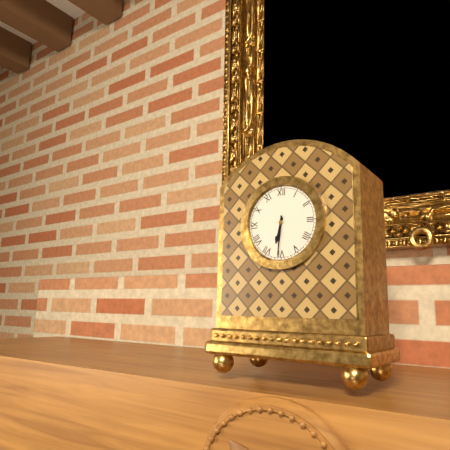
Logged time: 6:31
